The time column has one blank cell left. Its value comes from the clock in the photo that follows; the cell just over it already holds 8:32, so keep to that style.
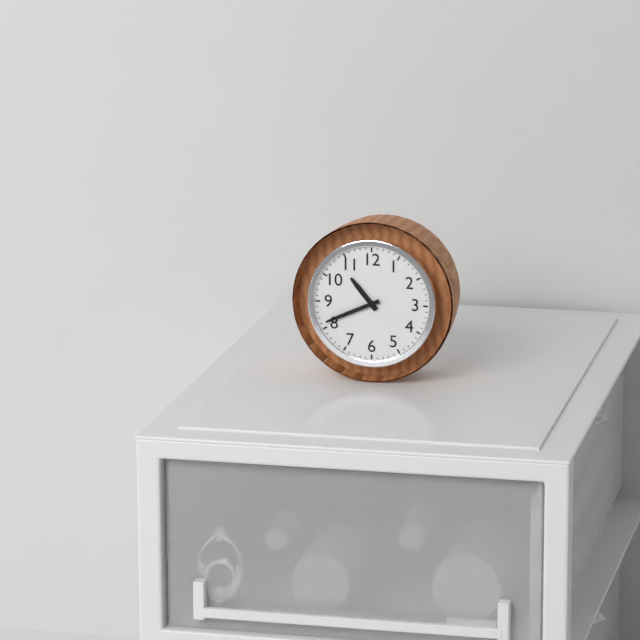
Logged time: 10:41
